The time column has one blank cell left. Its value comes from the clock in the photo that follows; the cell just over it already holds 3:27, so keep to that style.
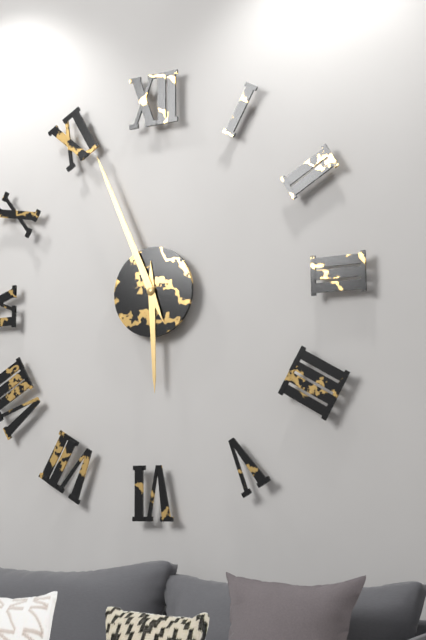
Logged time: 5:56
